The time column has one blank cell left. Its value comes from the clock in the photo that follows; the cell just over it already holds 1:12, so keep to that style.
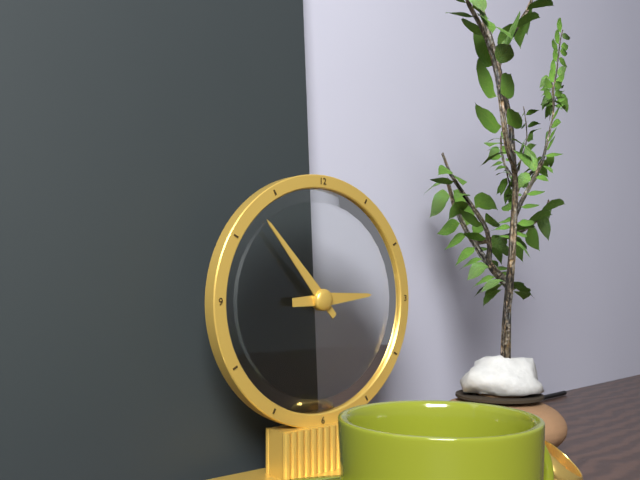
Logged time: 2:53
